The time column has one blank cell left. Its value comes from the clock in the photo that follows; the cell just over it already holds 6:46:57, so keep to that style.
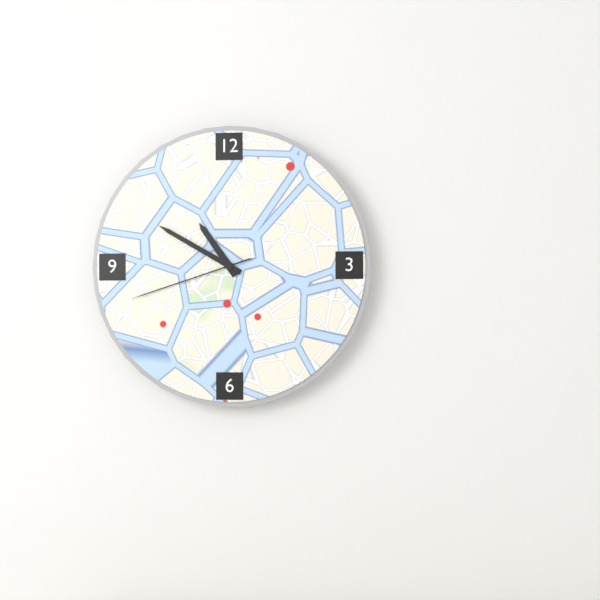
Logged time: 10:50:42
